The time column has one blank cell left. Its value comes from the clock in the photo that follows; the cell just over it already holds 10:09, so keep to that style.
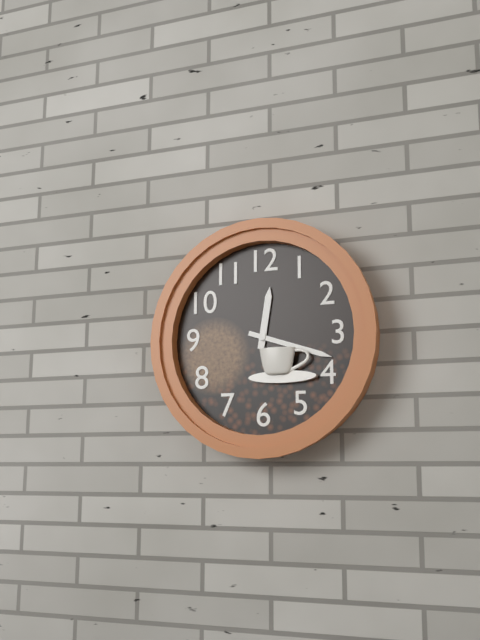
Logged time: 12:18
